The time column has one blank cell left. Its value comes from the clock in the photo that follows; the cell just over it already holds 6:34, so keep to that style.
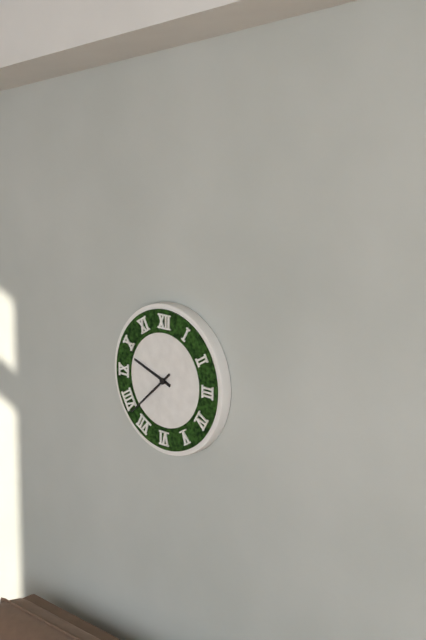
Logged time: 9:38
